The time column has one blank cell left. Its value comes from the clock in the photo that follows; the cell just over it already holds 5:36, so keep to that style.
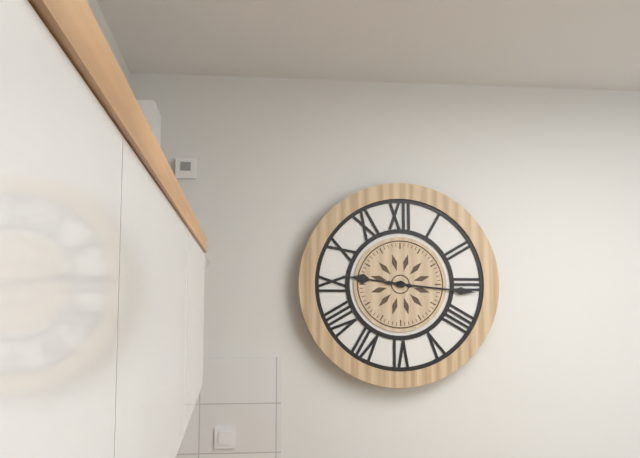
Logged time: 9:16
